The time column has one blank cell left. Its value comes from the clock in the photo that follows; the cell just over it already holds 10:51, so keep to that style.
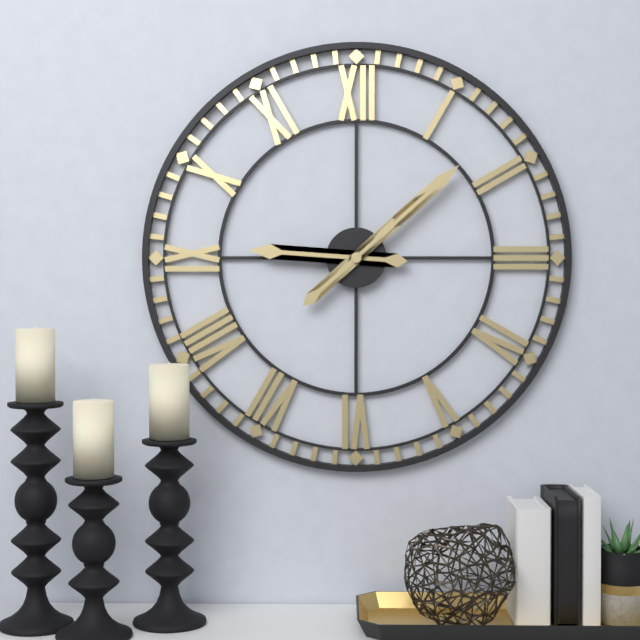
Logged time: 9:08
